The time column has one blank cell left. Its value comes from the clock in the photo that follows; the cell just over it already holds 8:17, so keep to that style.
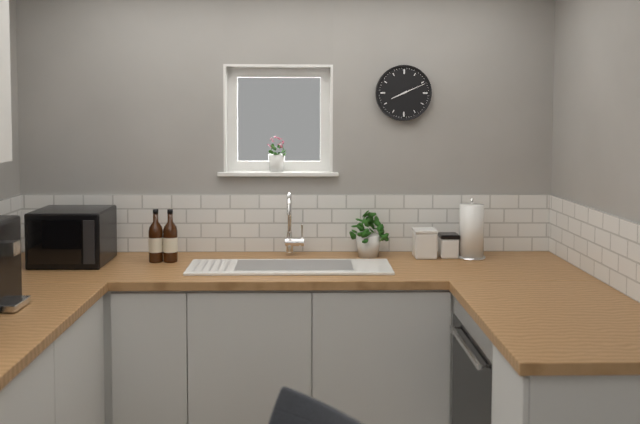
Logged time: 8:11
